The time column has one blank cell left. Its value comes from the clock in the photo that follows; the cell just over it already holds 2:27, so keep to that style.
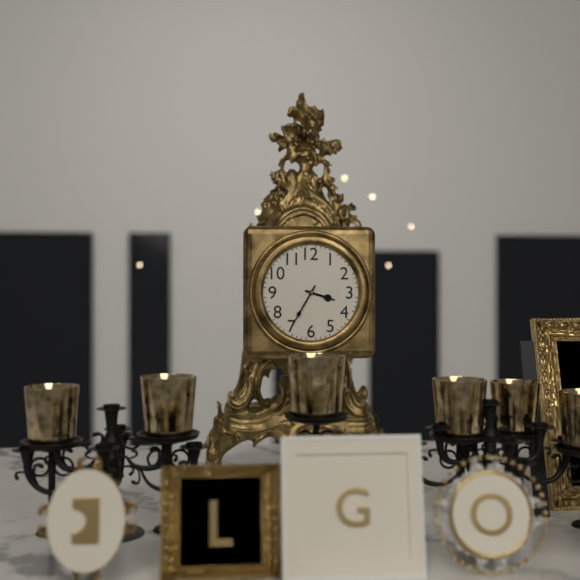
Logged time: 3:35
